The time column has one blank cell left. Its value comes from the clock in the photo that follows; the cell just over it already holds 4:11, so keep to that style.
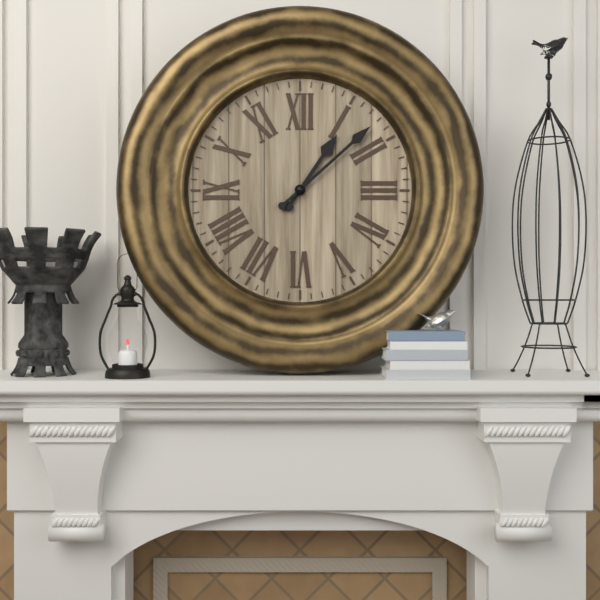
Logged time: 1:08
